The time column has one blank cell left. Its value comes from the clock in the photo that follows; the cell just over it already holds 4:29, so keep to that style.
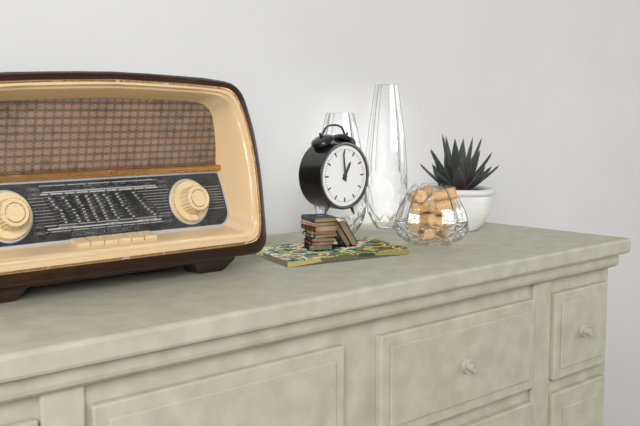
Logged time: 12:59
